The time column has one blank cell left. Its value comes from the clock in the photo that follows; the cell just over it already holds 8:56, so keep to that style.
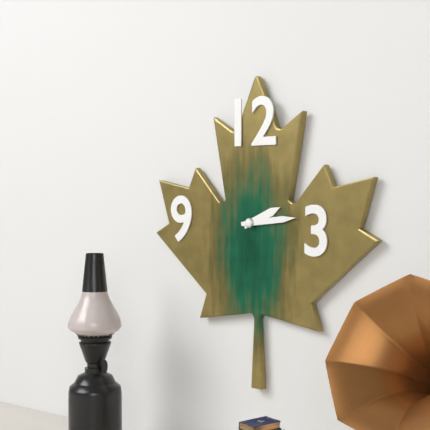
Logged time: 2:14
